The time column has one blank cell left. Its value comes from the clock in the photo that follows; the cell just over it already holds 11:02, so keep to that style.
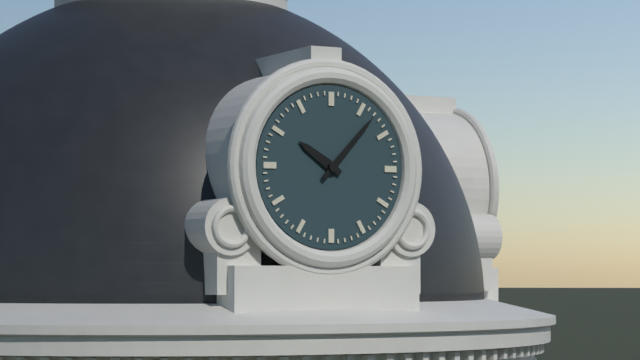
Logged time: 10:07
